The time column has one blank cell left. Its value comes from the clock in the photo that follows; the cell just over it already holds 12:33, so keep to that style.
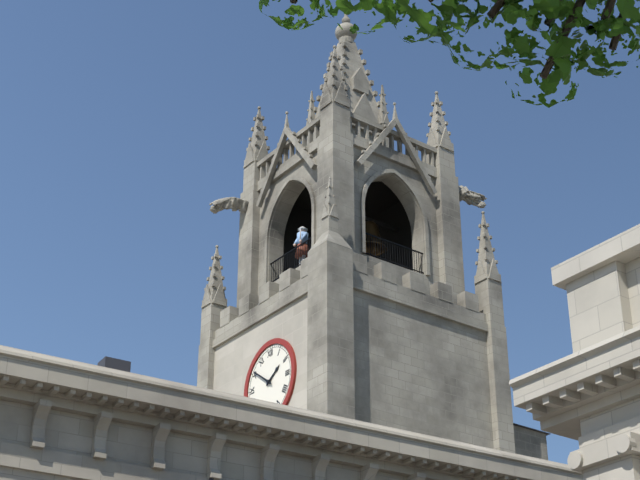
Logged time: 1:51
